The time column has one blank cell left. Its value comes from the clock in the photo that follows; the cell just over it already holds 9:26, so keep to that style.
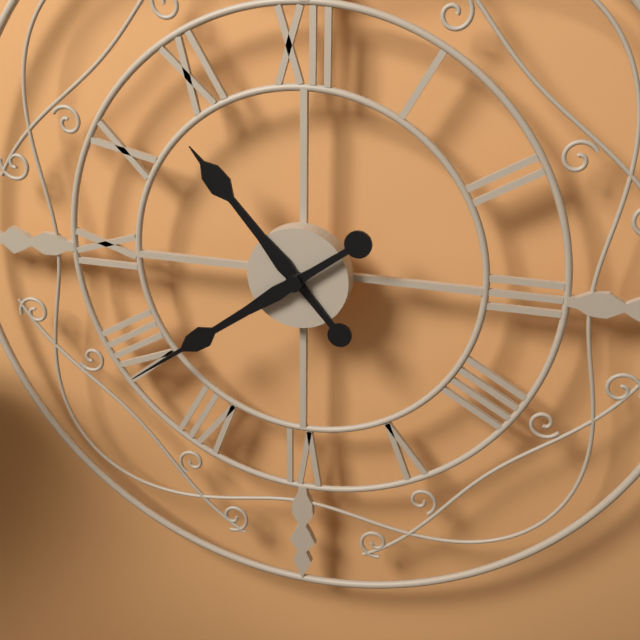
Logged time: 10:39
